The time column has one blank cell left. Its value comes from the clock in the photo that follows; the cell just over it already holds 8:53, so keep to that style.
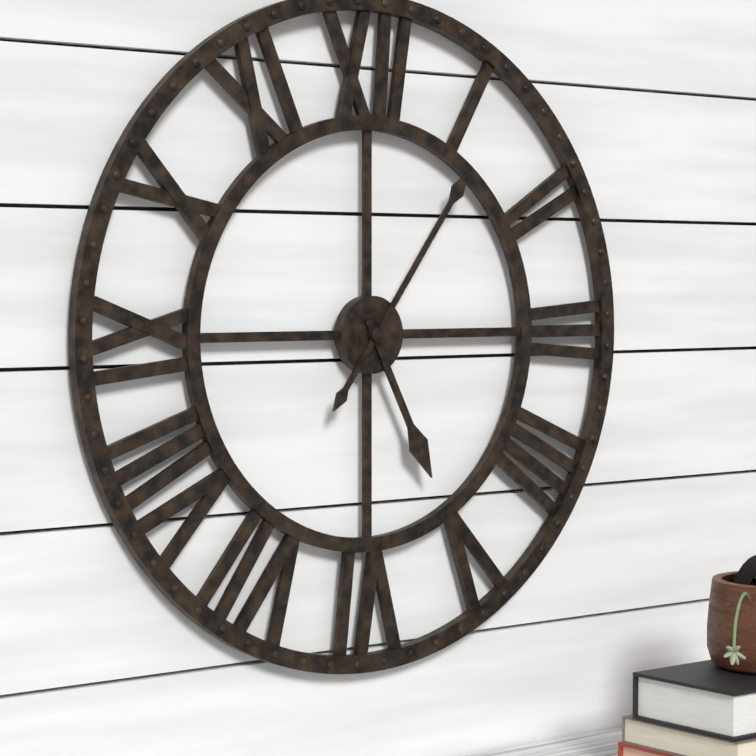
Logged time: 5:06
